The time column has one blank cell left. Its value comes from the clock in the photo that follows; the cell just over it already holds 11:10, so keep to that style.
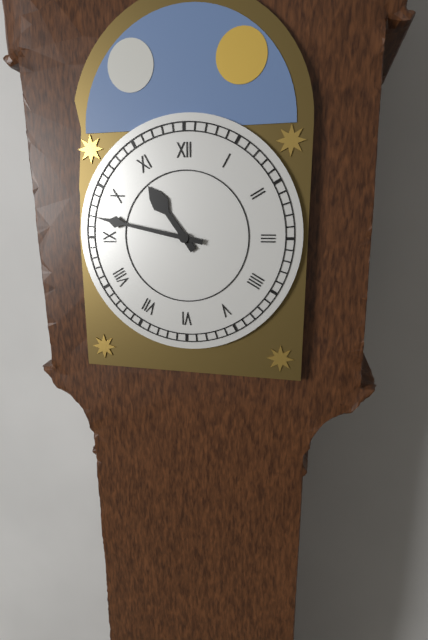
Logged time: 10:47
